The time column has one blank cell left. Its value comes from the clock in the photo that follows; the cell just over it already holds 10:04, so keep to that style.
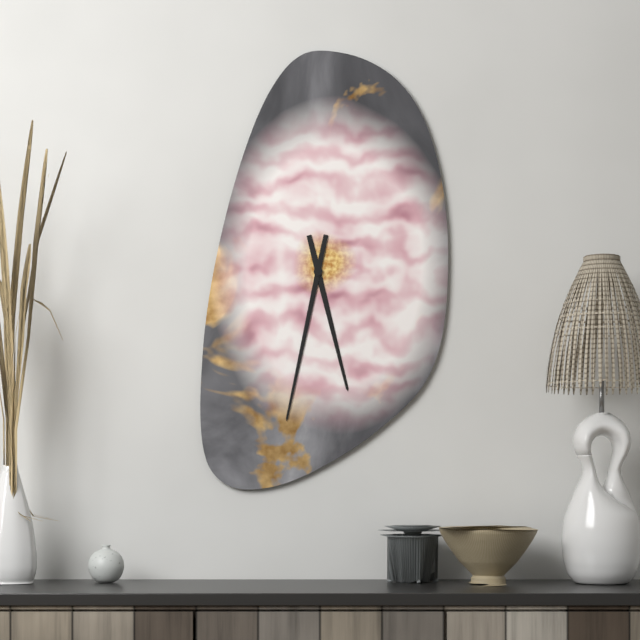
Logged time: 5:32
